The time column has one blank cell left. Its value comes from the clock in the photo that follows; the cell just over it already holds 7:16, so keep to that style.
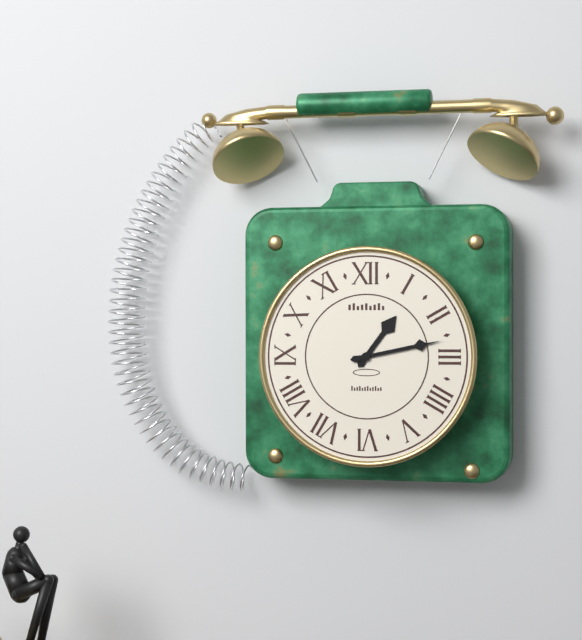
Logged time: 1:13
